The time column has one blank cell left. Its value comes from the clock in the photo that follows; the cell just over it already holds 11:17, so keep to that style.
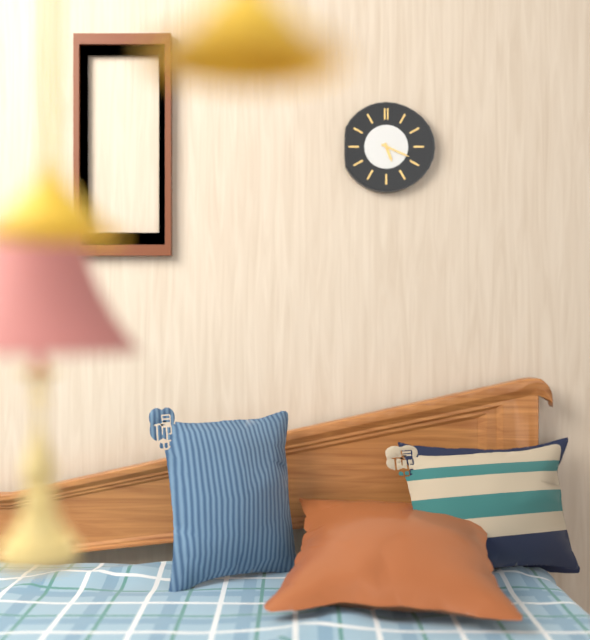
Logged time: 5:19
